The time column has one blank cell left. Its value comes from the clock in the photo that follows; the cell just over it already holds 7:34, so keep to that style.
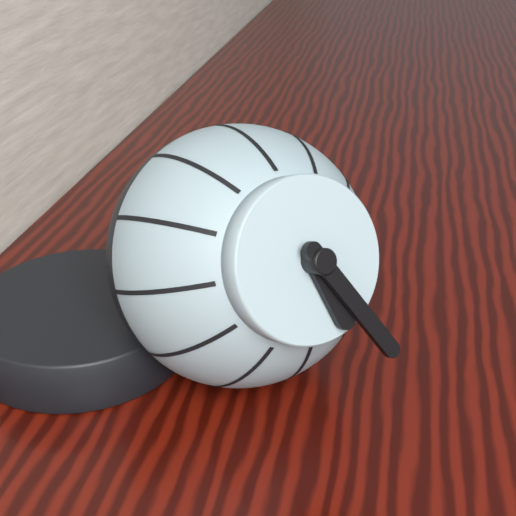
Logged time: 5:25
